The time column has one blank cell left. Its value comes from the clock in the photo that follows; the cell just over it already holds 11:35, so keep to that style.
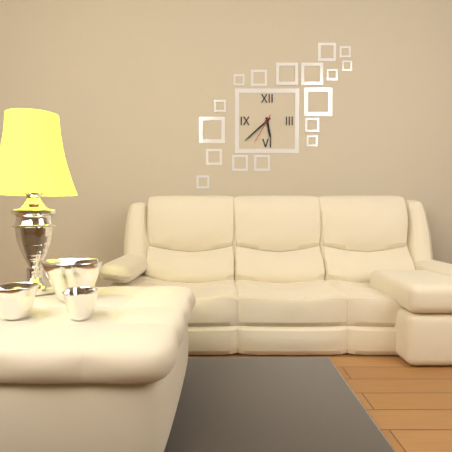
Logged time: 5:38
